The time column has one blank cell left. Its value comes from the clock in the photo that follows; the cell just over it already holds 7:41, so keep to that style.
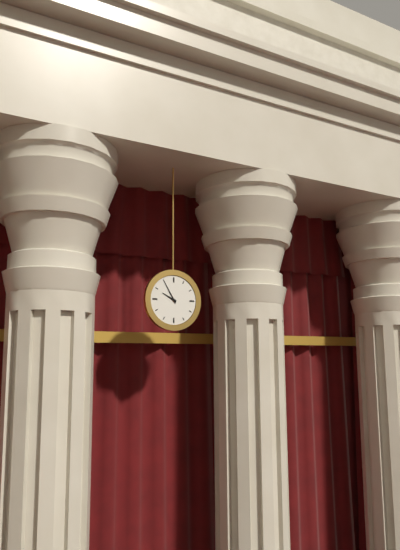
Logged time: 9:55
